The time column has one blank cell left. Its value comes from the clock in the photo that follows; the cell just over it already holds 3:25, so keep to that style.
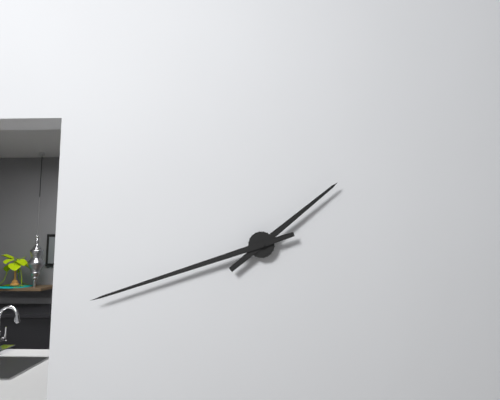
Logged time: 1:42
